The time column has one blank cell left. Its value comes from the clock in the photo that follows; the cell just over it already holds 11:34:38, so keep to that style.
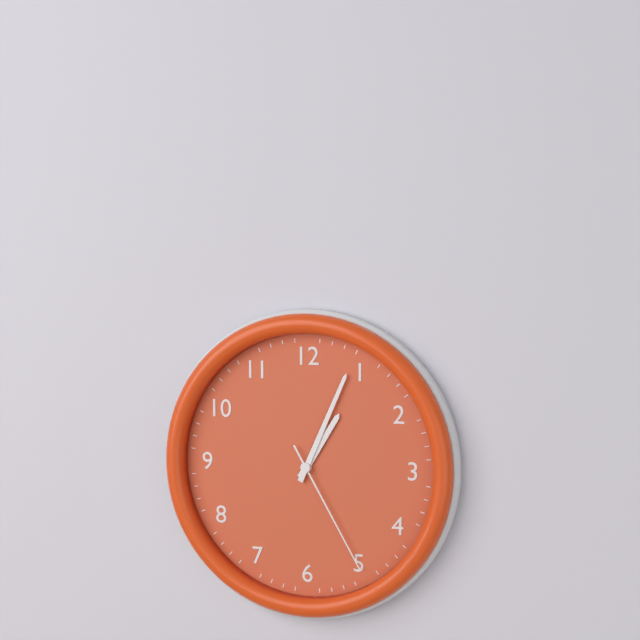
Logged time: 1:04:25
